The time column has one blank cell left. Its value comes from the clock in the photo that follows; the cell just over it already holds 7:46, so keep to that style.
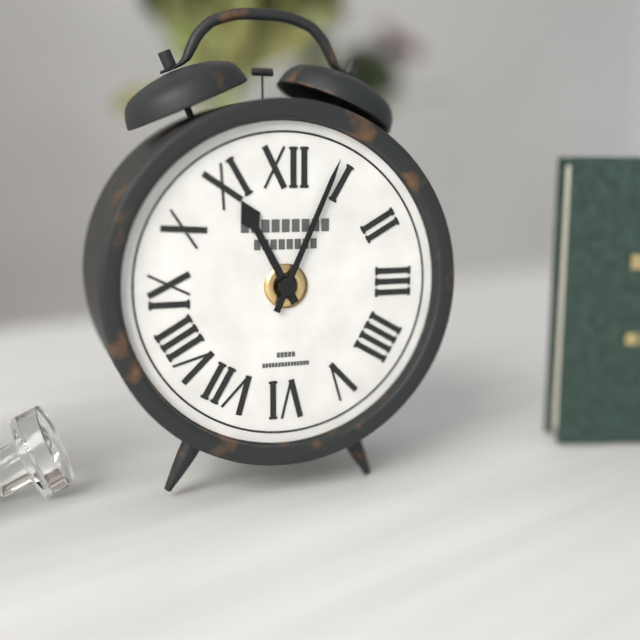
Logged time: 11:04
